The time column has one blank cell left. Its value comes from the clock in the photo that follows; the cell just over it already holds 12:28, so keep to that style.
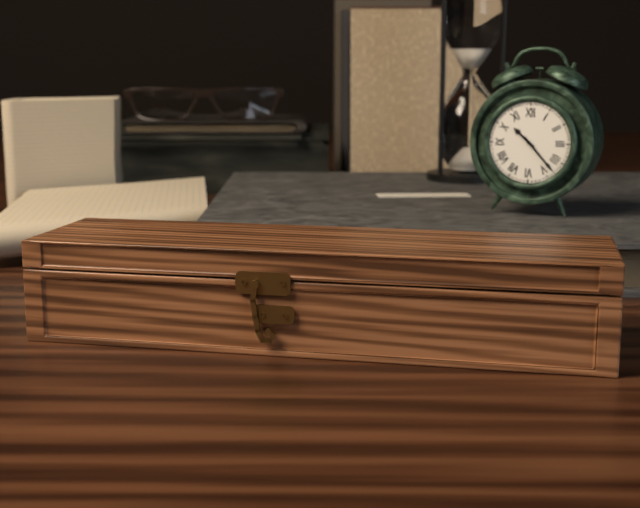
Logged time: 10:23
